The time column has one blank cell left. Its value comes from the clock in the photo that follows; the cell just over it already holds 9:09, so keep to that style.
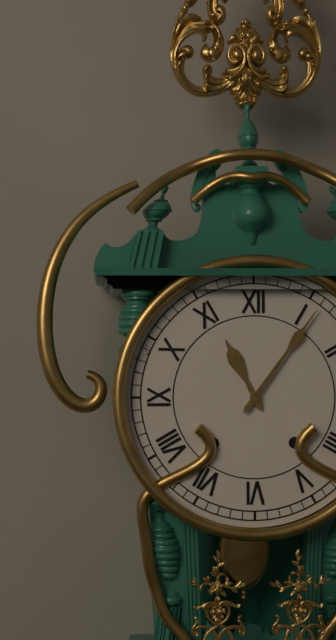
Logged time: 11:06
